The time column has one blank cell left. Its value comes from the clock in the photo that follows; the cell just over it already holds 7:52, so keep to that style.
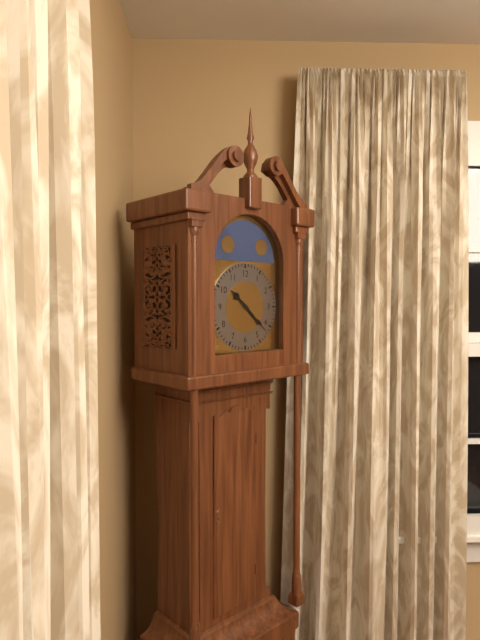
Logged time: 10:22
